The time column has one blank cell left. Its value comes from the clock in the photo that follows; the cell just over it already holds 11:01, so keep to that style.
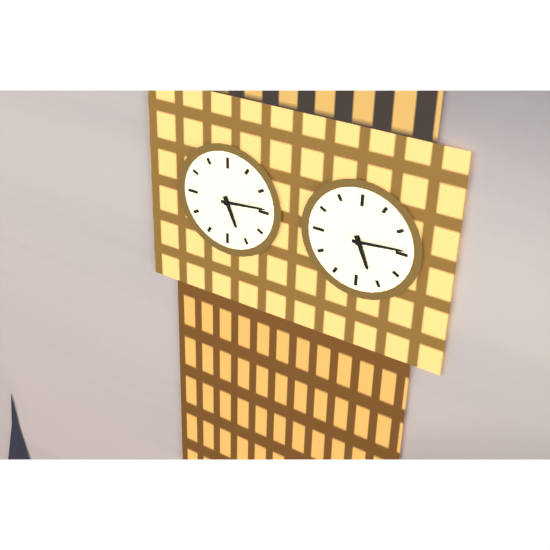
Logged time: 5:14
